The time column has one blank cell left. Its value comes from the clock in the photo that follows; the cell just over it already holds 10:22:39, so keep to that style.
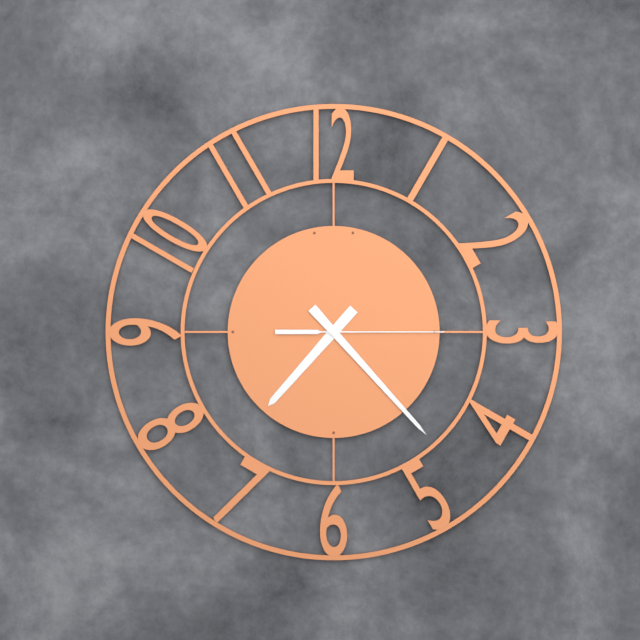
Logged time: 7:23:15
